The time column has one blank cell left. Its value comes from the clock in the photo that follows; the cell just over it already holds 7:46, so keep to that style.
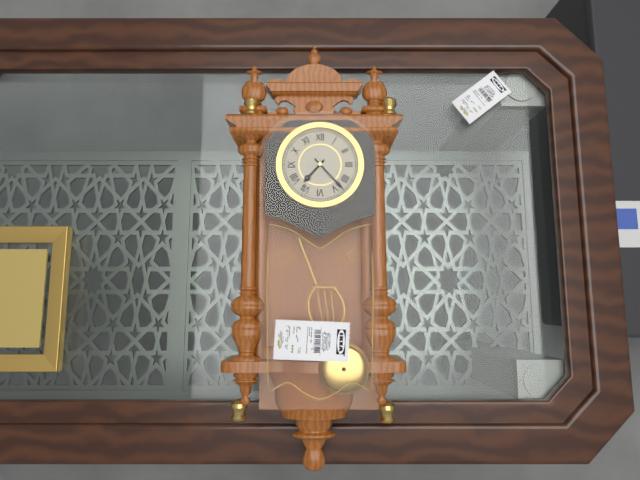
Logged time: 7:23
